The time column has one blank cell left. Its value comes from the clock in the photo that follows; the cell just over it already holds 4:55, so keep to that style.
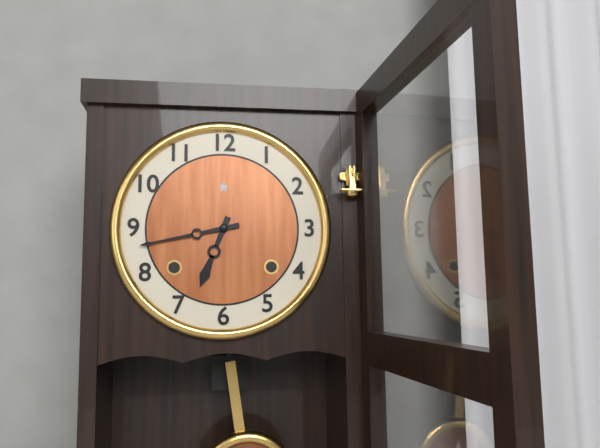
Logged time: 6:43
